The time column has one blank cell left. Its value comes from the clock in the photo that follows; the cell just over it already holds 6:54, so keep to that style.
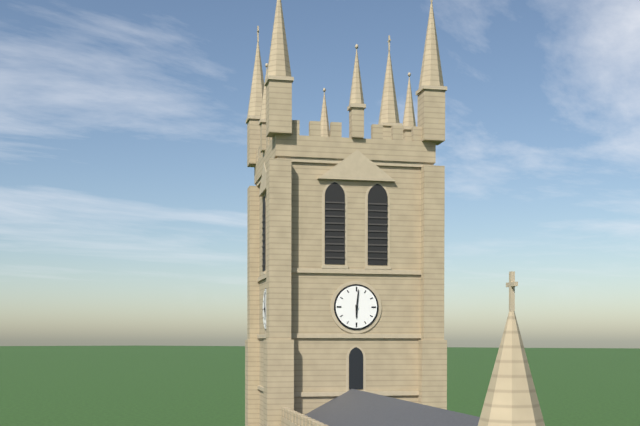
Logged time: 6:01
